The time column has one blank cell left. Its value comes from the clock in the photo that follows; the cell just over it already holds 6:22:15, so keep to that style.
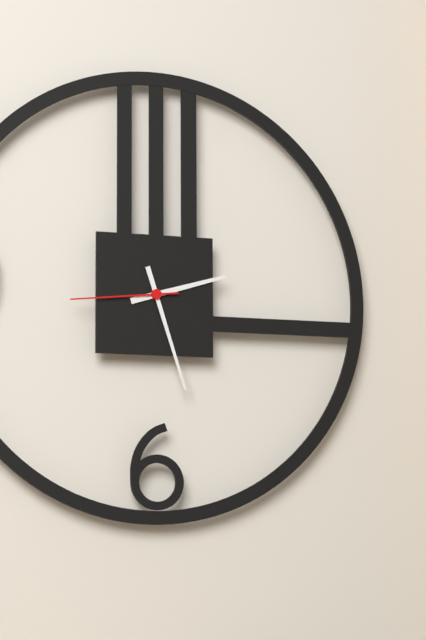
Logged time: 2:27:44
